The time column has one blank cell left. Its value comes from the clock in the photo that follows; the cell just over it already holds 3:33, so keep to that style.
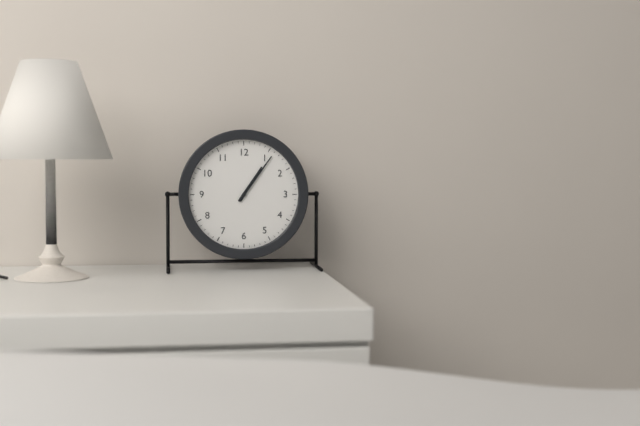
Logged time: 1:06
